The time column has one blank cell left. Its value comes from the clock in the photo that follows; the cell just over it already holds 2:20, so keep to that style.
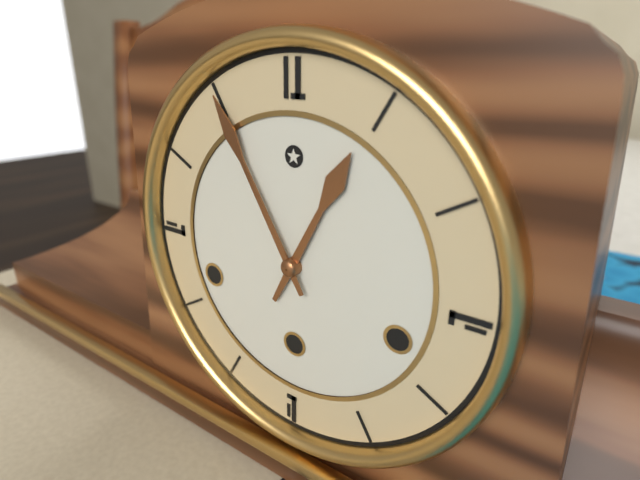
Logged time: 12:55
